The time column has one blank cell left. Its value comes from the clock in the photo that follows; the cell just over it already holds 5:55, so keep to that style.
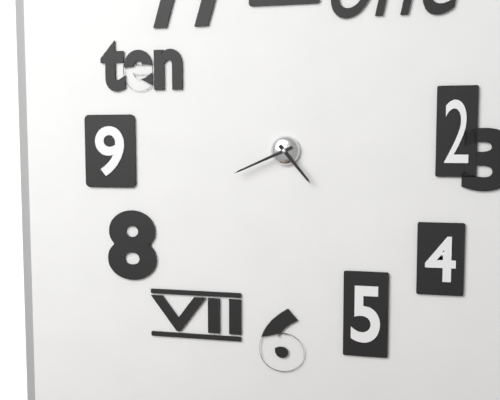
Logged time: 4:41
